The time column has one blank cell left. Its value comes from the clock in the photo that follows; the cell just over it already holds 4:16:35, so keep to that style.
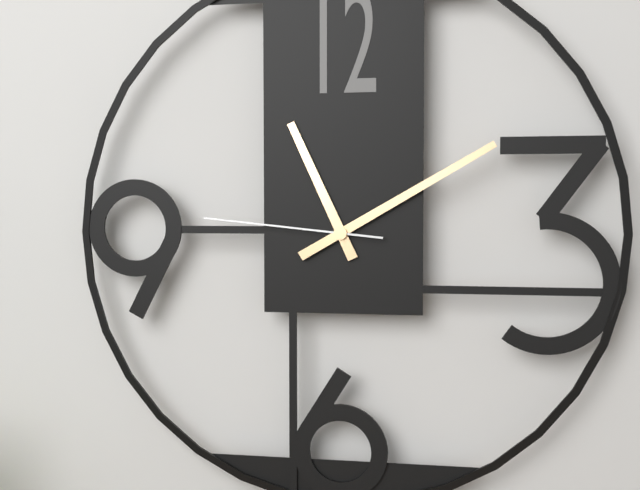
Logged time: 11:10:46
